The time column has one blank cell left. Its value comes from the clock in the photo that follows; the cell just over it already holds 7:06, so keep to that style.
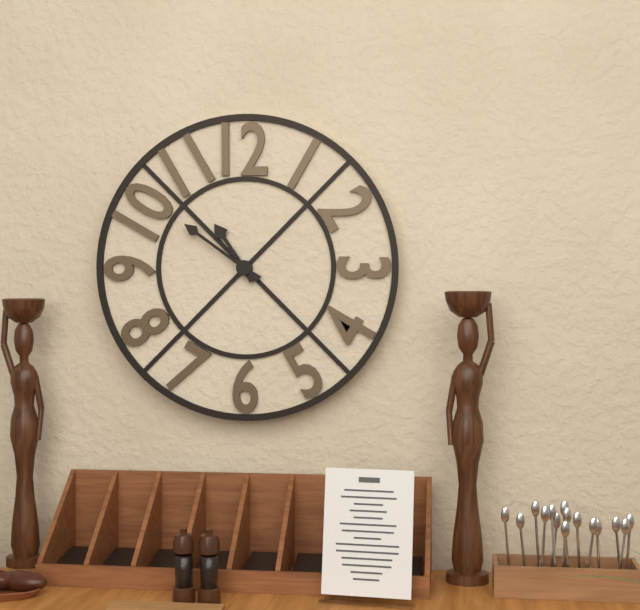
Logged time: 10:51
